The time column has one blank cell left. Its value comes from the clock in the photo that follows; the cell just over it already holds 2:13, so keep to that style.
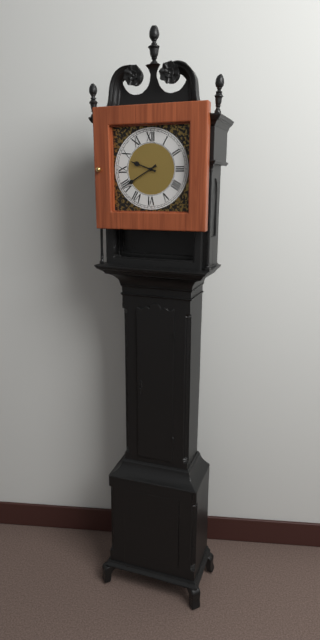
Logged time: 9:40
